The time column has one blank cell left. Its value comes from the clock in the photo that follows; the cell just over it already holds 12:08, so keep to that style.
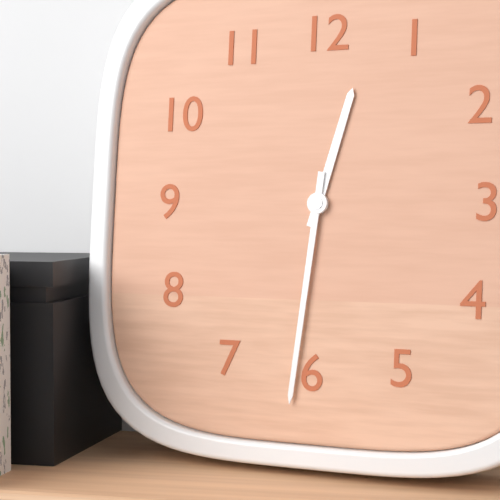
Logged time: 12:31
